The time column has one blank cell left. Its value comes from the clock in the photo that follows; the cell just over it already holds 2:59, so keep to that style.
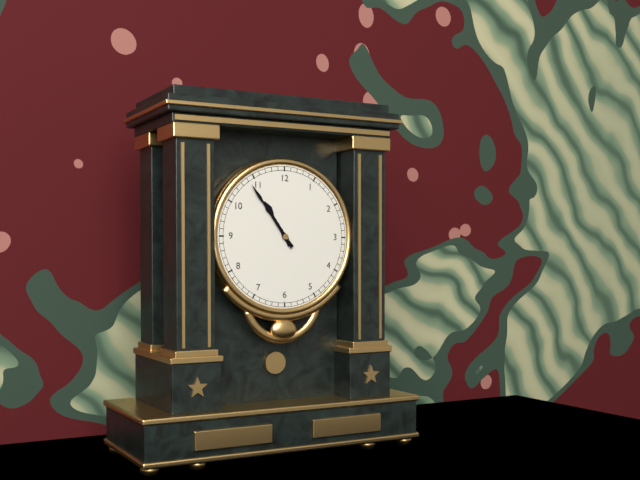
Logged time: 10:54
